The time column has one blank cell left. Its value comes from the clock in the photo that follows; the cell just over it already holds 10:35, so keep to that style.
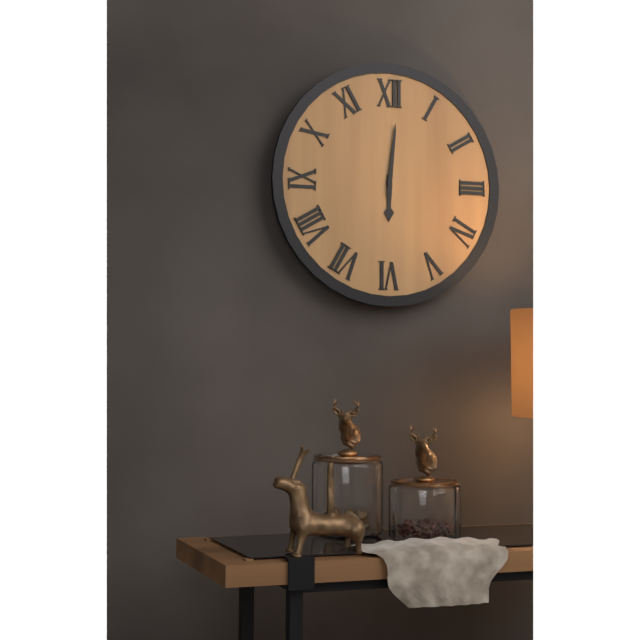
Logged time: 6:01
